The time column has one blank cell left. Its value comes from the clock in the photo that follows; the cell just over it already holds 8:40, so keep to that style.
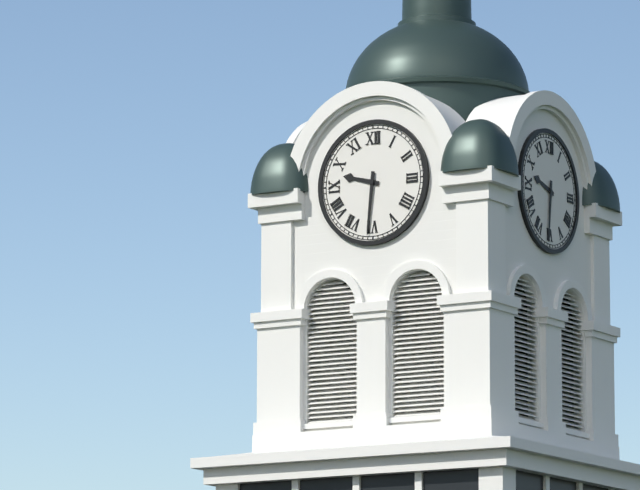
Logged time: 9:31
